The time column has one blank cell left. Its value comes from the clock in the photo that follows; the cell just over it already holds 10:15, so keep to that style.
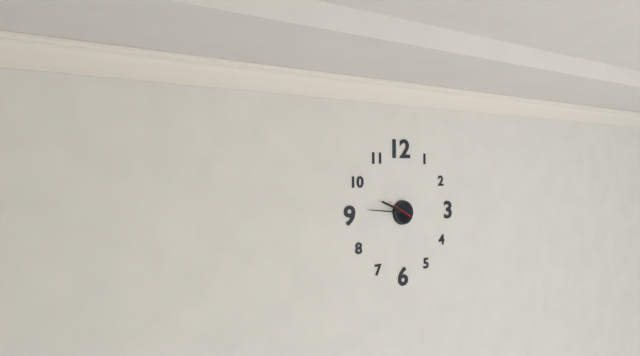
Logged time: 9:46
